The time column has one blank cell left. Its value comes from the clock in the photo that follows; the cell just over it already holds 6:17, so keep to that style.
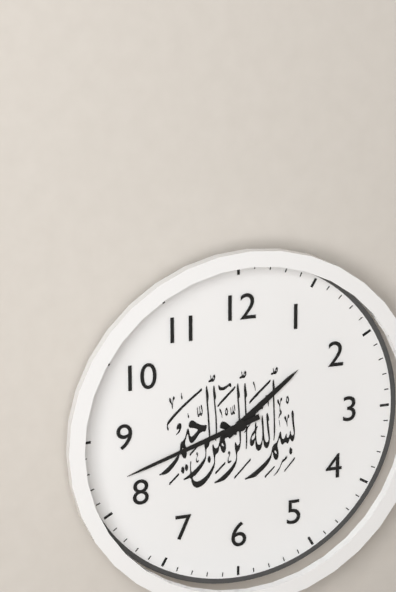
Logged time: 1:42
